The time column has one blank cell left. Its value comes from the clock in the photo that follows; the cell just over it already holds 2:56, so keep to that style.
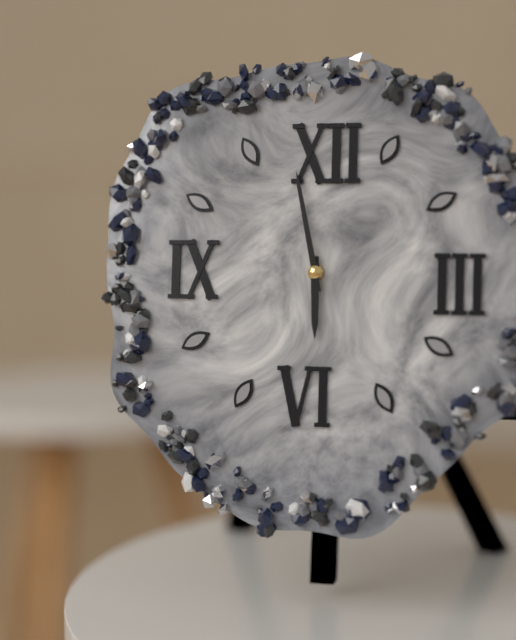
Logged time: 5:58
